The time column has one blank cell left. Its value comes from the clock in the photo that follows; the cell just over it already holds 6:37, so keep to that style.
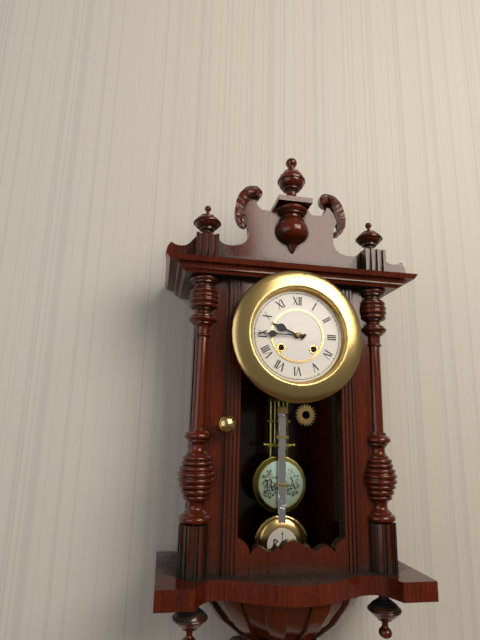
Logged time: 9:45
